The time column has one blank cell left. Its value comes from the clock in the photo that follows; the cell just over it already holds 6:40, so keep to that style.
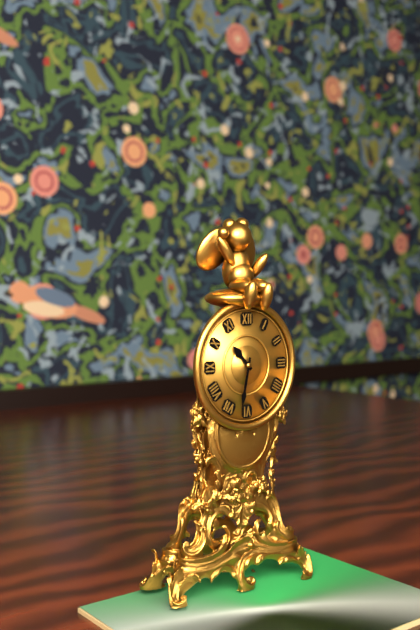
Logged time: 10:32
